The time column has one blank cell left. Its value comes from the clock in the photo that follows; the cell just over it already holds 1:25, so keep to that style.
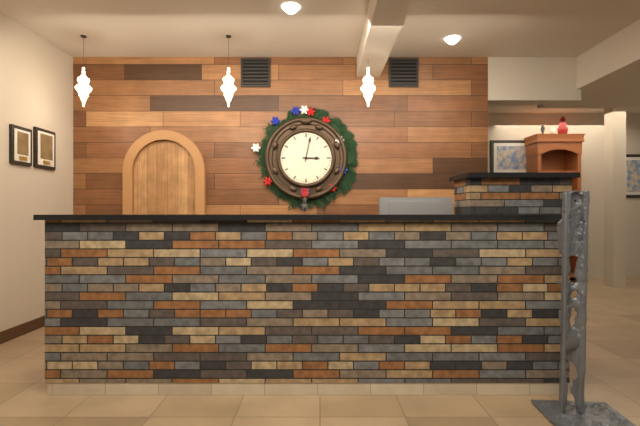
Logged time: 3:02
